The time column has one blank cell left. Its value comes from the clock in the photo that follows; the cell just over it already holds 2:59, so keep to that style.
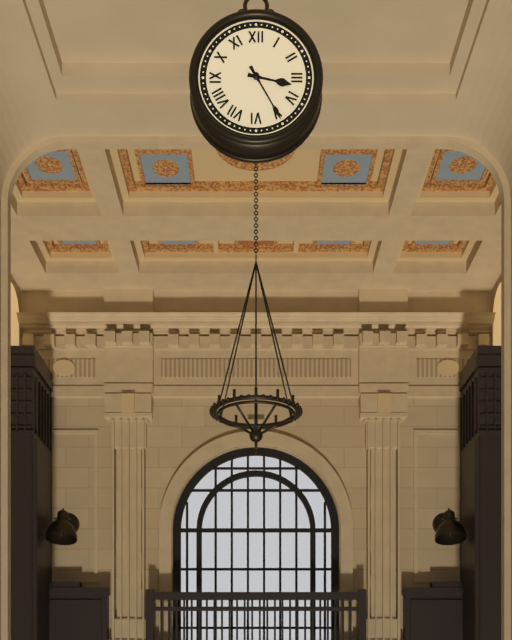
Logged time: 3:25
